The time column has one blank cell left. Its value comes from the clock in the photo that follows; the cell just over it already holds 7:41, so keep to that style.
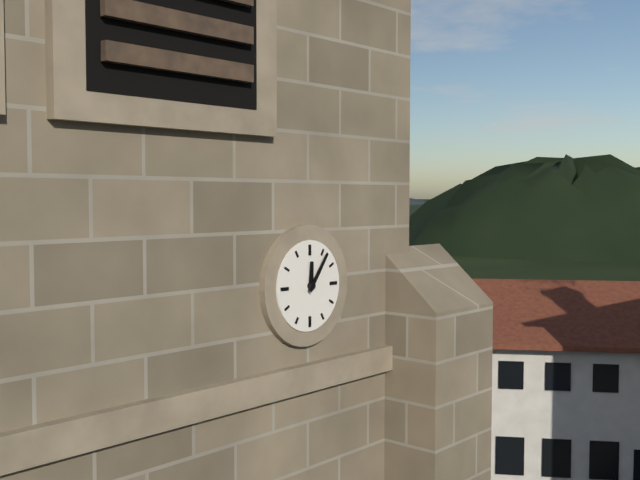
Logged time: 12:06
